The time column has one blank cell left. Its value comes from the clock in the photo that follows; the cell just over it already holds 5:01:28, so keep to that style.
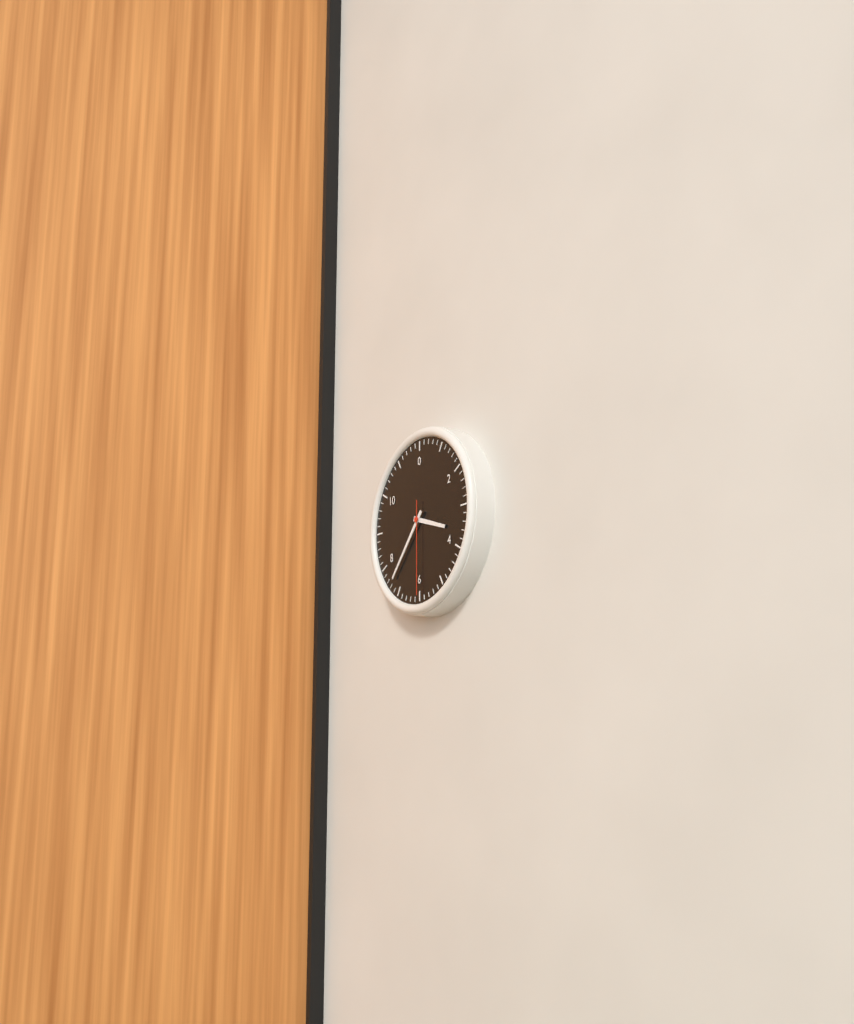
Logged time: 3:37:30
